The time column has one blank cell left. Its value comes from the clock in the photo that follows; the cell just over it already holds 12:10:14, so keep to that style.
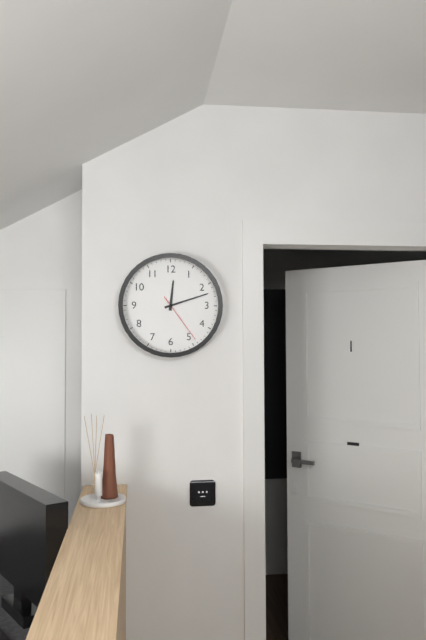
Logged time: 12:12:24
